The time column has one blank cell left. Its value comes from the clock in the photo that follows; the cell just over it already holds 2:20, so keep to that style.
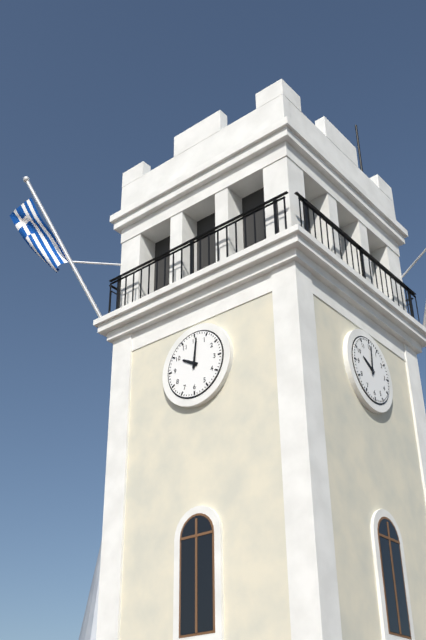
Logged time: 10:01
